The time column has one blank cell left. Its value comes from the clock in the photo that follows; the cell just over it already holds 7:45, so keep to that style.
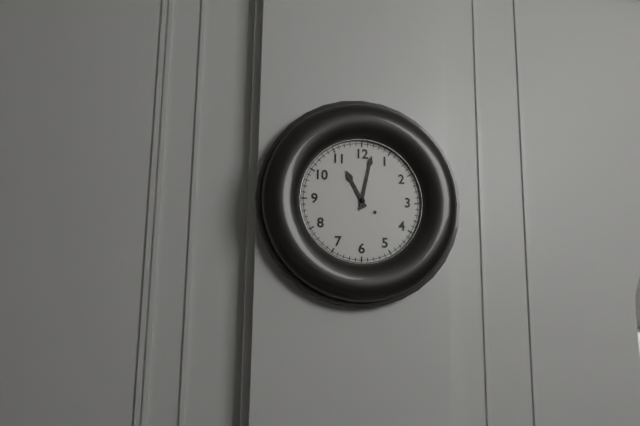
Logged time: 11:02
